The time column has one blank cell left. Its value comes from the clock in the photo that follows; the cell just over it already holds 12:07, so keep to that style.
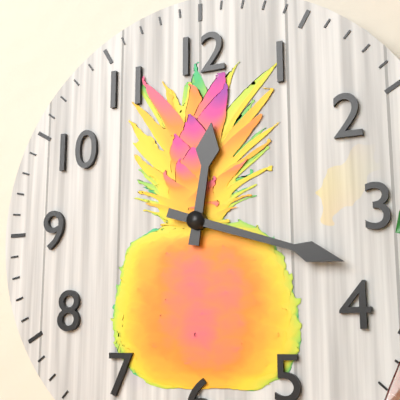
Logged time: 12:18
